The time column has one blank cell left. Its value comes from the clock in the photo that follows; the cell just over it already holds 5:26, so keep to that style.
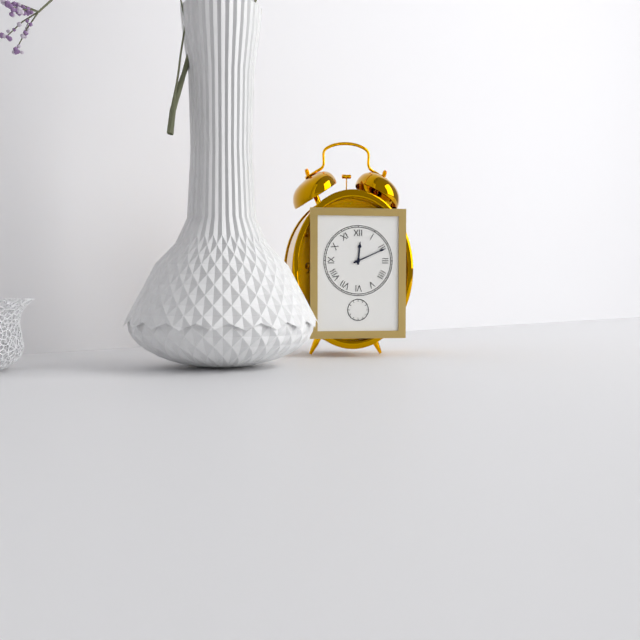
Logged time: 12:11
